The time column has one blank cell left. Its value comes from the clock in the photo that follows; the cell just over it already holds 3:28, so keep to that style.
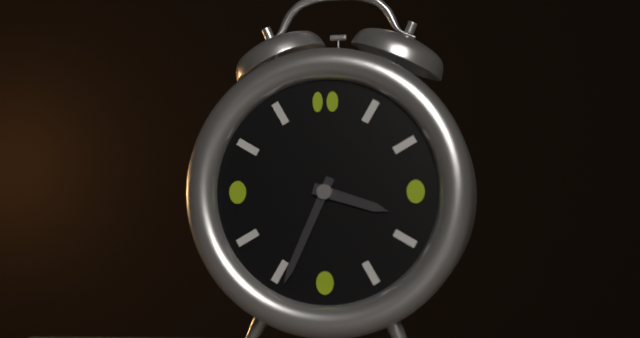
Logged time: 3:34
